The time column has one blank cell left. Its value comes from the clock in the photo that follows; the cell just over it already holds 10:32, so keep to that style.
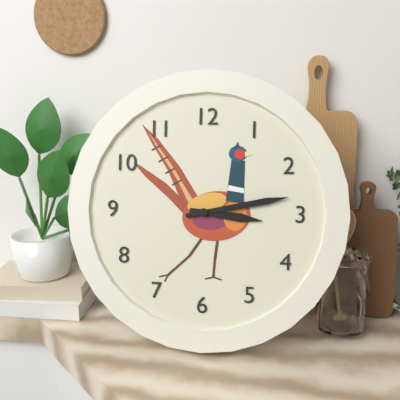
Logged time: 3:13
